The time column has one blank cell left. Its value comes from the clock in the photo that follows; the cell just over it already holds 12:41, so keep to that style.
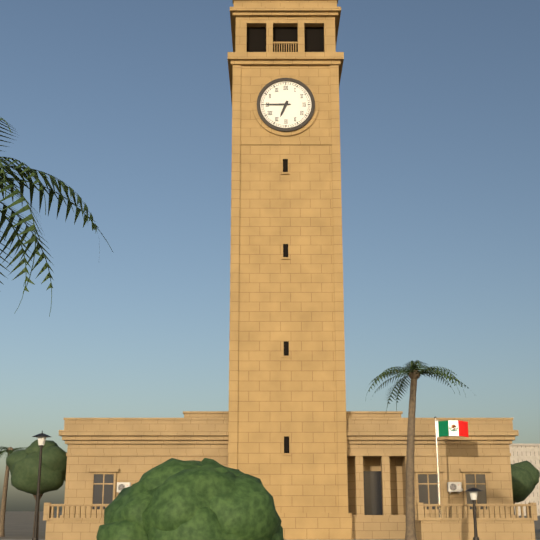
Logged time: 6:45
